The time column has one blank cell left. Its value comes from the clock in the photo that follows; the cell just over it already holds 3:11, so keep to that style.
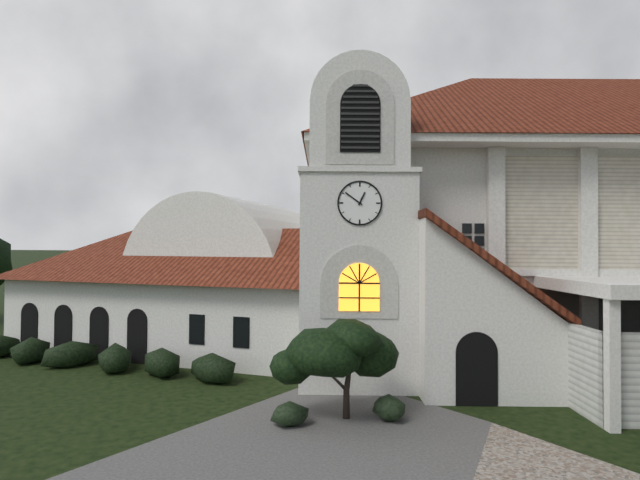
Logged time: 12:51
